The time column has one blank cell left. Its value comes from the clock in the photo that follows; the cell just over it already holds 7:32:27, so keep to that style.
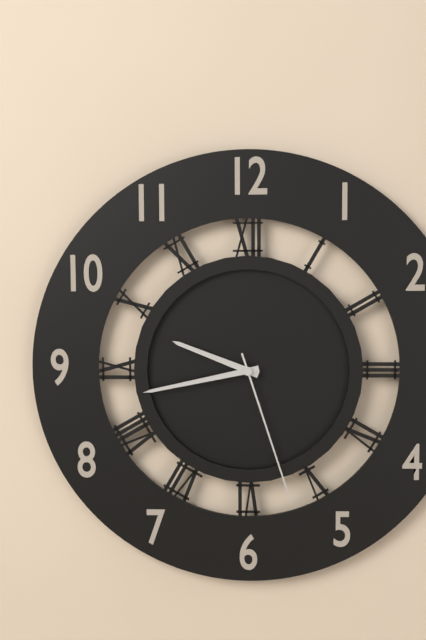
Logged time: 9:43:27
